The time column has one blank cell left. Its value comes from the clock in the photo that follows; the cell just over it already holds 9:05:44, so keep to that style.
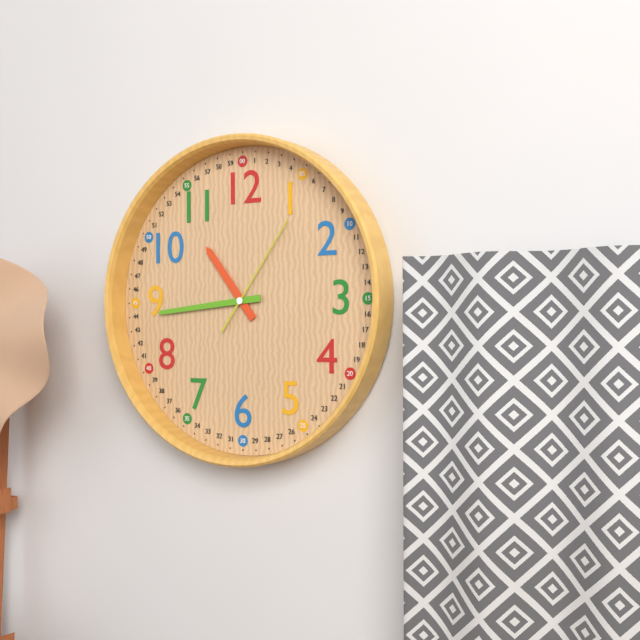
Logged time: 10:44:06
